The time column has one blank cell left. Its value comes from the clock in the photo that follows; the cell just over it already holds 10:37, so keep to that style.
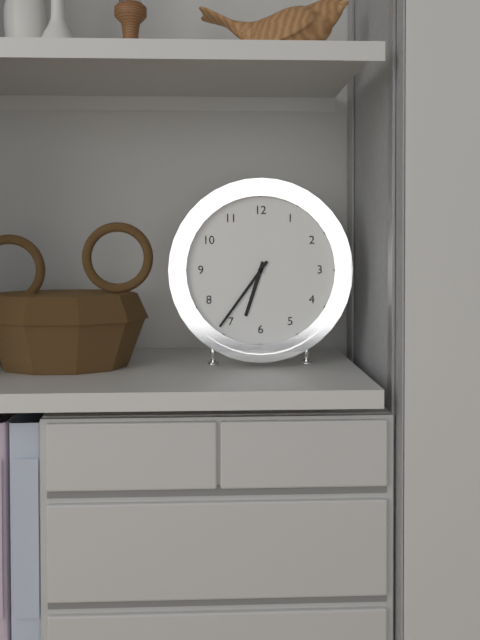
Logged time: 6:36
